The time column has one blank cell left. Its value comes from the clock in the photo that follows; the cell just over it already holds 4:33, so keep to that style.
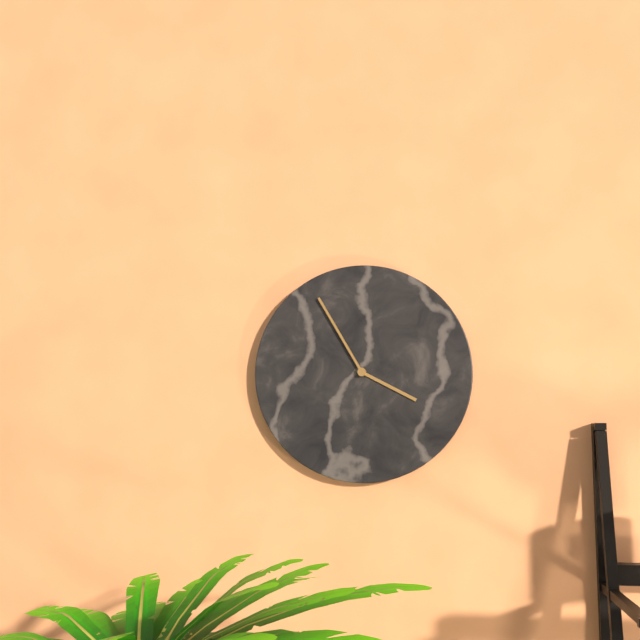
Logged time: 3:55
